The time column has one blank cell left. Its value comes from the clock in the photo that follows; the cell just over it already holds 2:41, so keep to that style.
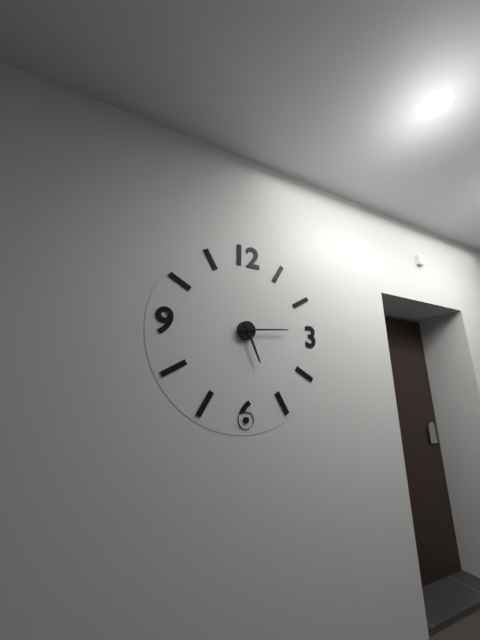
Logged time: 5:14
